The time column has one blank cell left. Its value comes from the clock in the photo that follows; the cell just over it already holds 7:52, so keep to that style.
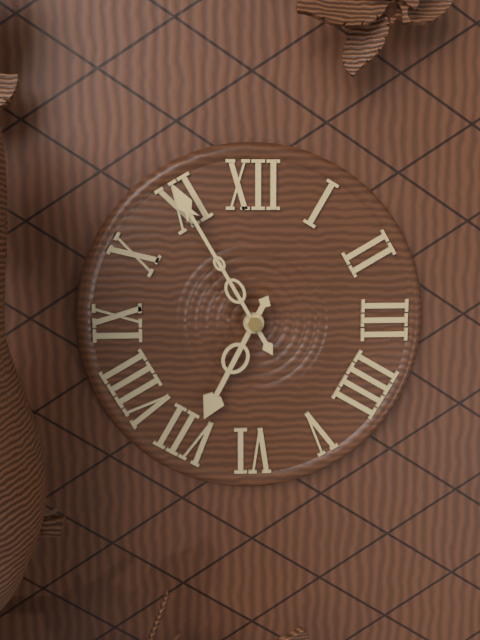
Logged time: 6:55
